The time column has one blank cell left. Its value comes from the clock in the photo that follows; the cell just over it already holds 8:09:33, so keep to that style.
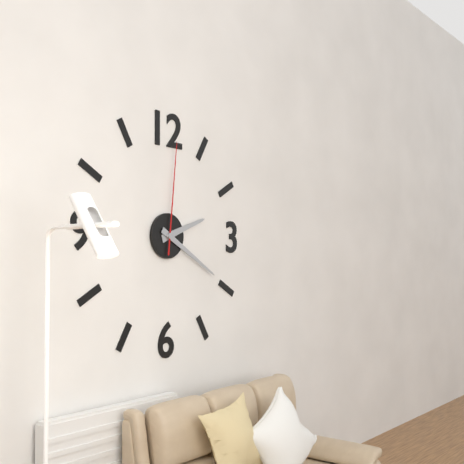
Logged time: 2:20:01
